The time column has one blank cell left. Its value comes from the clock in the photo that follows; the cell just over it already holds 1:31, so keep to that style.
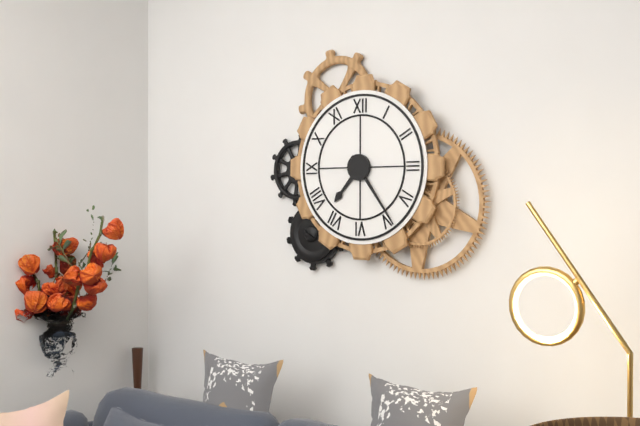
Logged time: 7:24
